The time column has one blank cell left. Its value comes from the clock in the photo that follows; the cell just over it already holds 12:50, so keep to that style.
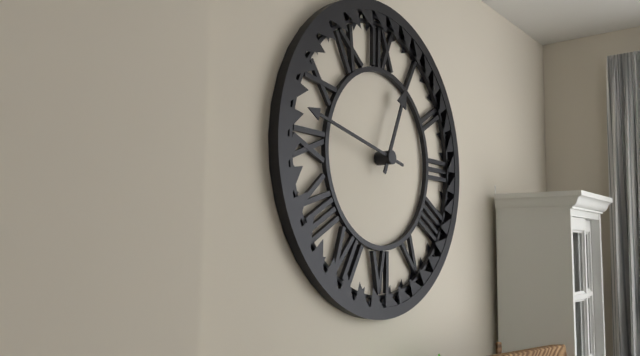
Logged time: 12:47
